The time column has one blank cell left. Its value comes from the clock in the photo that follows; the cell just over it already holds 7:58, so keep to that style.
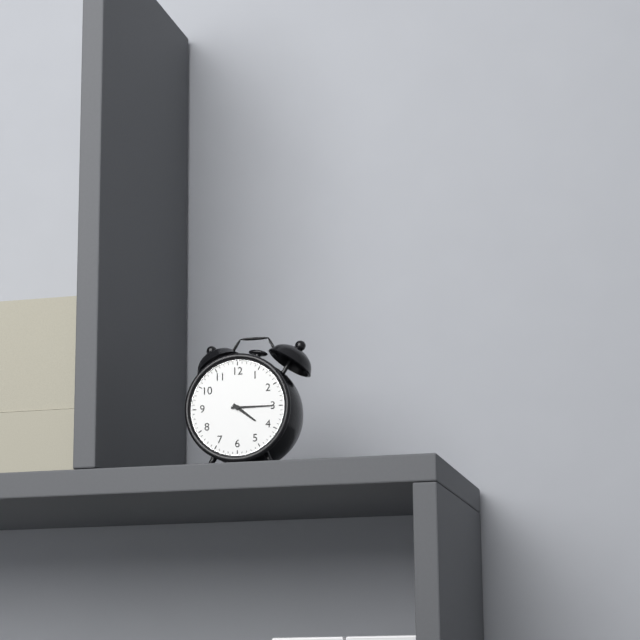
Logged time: 4:15
